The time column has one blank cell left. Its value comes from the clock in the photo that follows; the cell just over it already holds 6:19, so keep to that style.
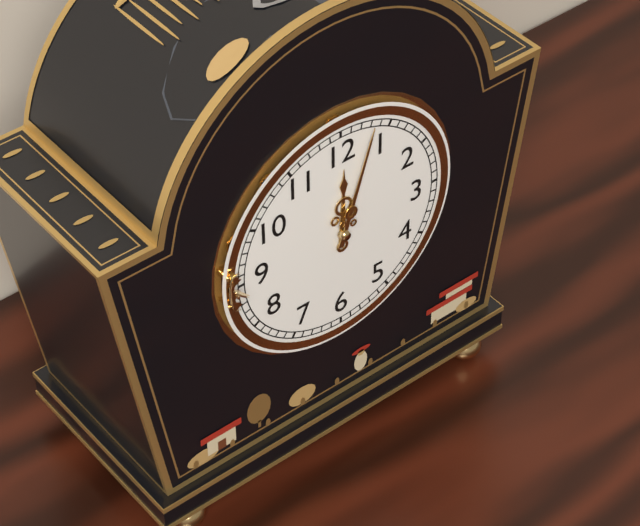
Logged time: 12:03
